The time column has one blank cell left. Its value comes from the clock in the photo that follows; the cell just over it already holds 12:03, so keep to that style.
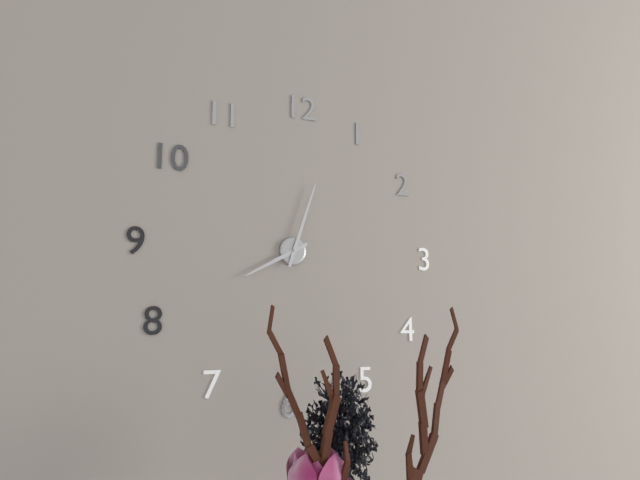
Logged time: 8:03
